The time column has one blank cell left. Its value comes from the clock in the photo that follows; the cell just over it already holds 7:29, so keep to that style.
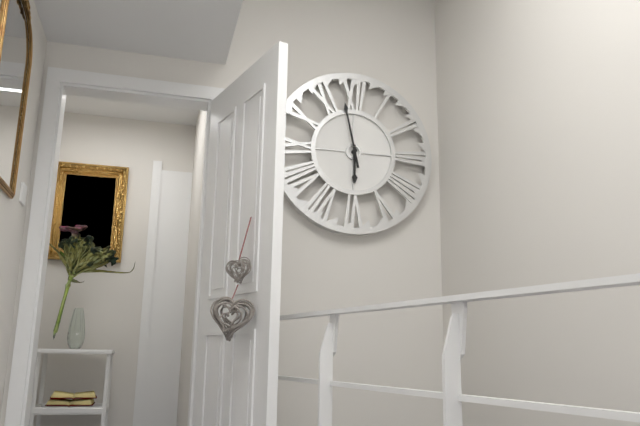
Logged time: 5:58
